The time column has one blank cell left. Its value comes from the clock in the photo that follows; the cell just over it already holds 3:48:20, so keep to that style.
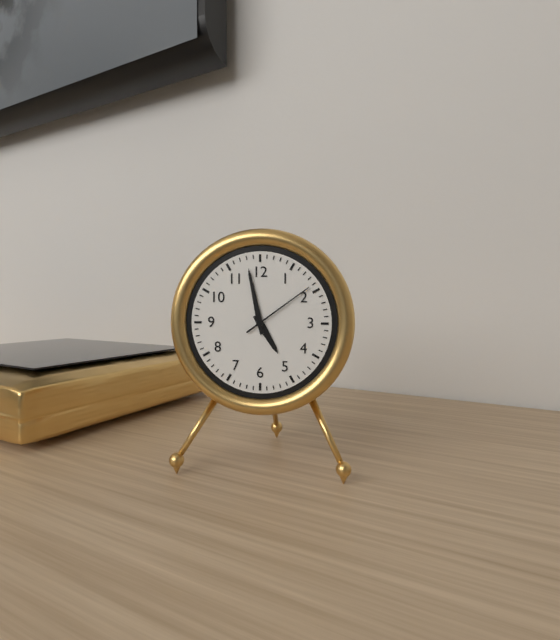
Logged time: 4:58:09
